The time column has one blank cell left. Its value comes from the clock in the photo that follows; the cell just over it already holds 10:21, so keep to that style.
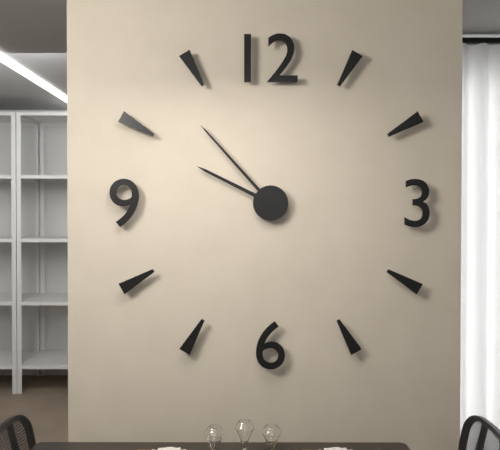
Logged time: 9:53
